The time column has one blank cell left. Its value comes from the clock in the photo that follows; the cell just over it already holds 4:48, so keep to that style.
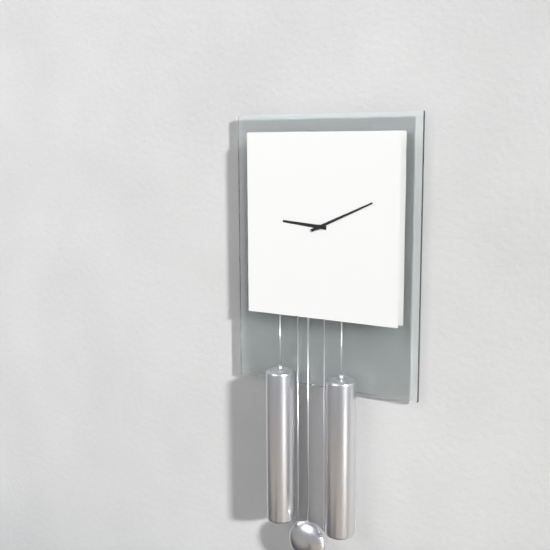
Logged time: 9:11
